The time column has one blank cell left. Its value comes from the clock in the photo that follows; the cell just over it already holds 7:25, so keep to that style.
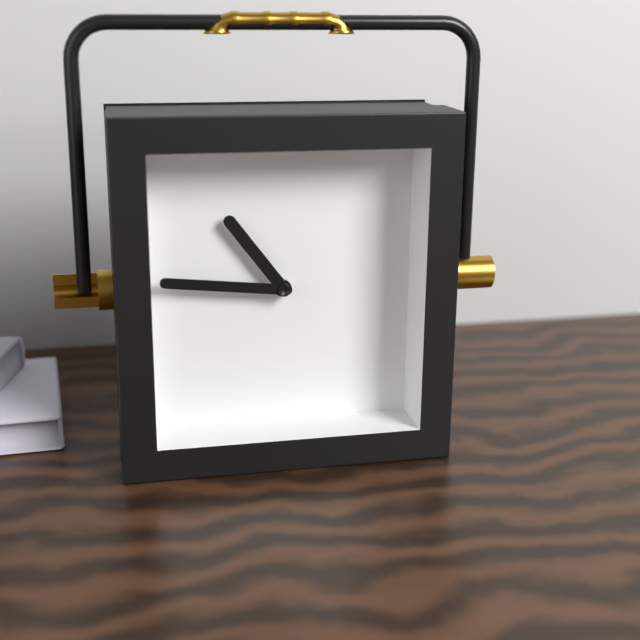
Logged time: 10:46
